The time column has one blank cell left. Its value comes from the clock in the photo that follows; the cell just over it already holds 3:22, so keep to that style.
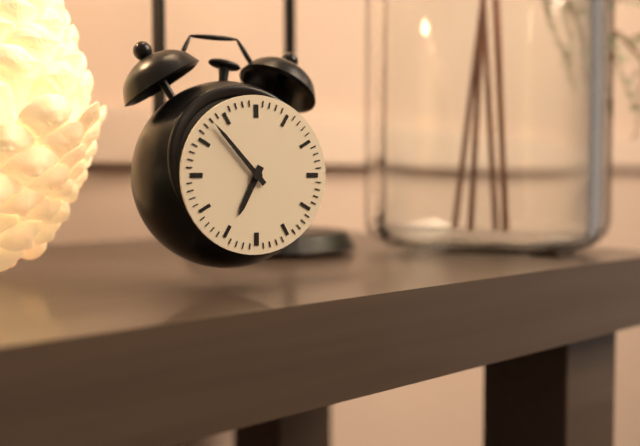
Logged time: 6:53
